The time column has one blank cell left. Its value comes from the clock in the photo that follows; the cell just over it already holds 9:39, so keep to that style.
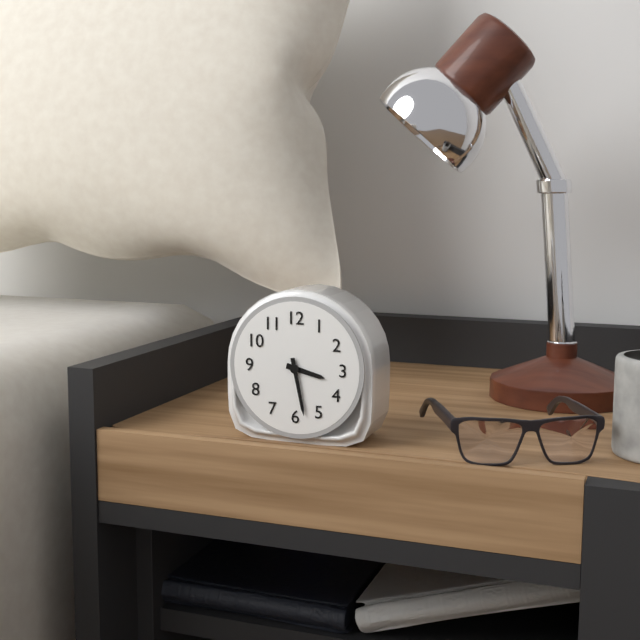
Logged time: 3:28
